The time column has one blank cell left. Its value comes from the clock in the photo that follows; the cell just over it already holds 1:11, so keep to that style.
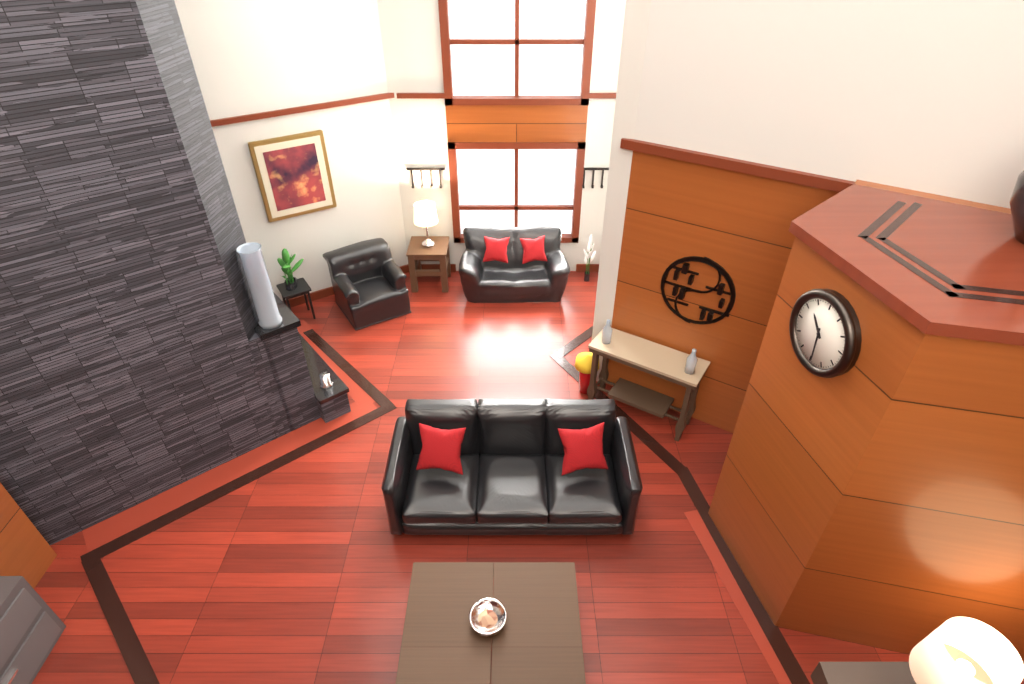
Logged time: 10:29
